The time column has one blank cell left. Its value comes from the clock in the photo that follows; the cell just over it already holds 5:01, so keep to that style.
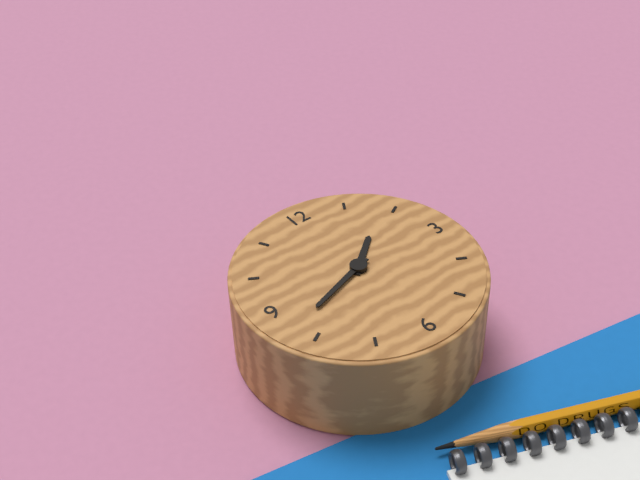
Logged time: 1:42
